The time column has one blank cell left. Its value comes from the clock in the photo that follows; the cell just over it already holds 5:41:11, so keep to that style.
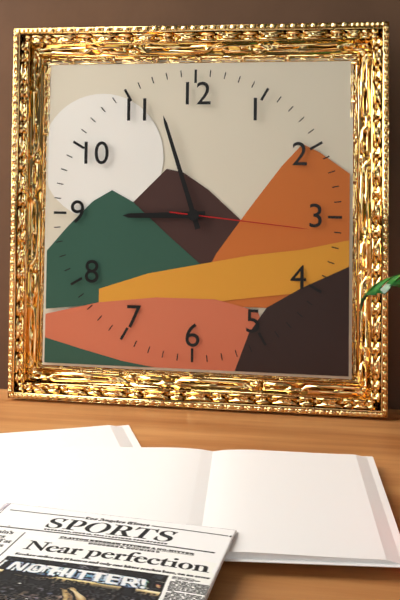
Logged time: 8:57:16
